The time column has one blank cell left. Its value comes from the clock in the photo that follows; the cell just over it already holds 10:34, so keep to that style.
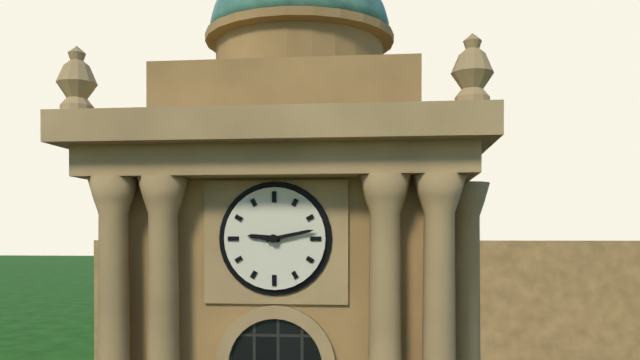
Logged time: 9:13
